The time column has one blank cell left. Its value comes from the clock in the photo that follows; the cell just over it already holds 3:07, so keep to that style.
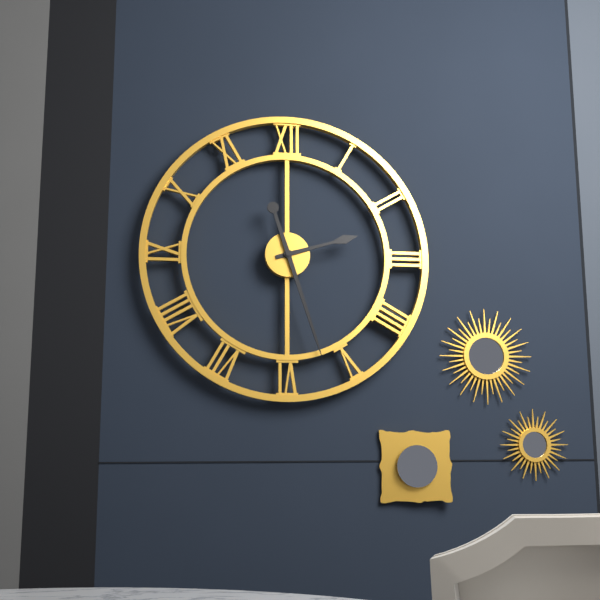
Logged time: 2:27
